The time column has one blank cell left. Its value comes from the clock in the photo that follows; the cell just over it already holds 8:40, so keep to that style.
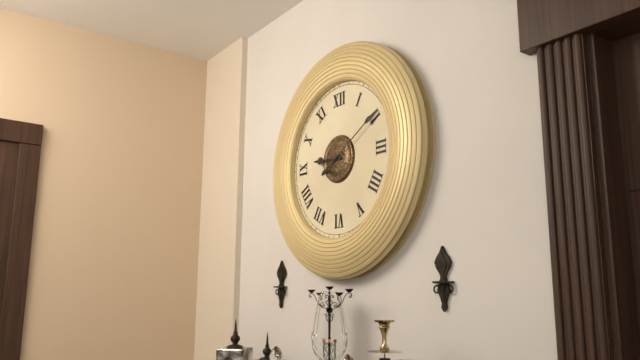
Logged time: 9:10
